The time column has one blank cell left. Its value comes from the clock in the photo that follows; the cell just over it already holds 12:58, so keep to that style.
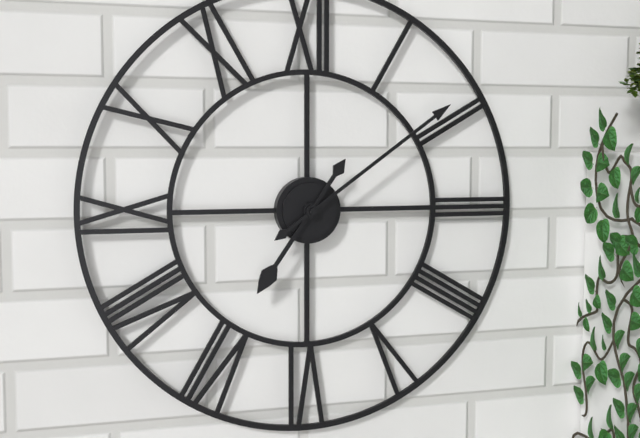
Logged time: 7:09
